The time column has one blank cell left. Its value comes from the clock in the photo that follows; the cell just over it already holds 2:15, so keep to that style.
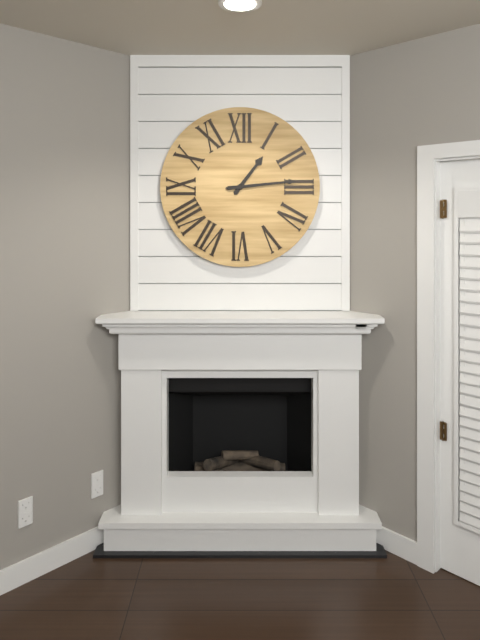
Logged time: 1:14
